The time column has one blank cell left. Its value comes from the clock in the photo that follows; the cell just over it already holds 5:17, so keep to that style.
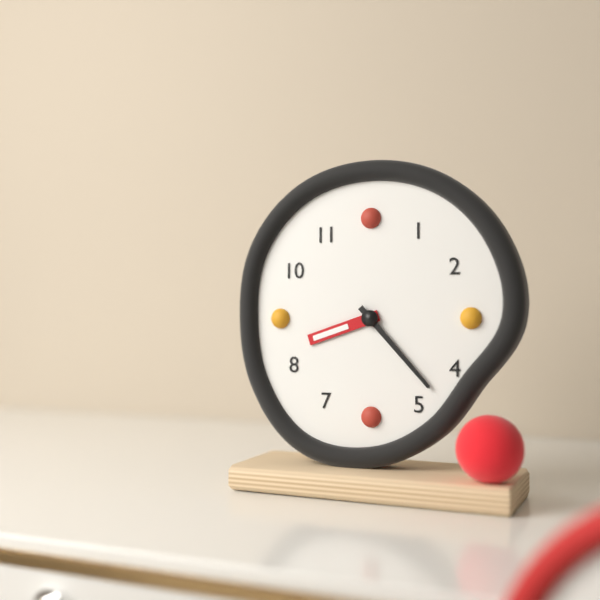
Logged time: 8:23
